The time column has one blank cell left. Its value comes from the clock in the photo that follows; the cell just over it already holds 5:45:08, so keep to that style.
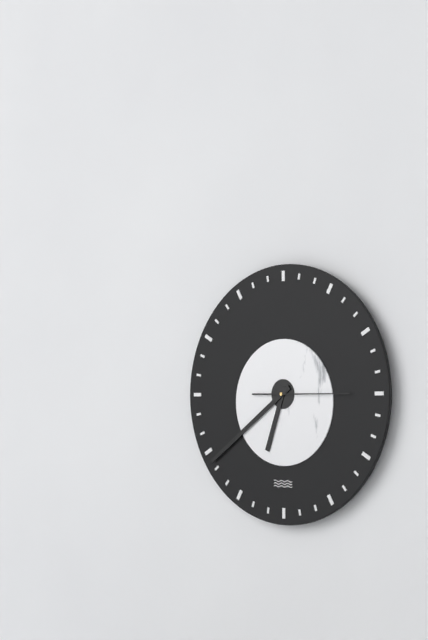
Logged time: 6:39:15
